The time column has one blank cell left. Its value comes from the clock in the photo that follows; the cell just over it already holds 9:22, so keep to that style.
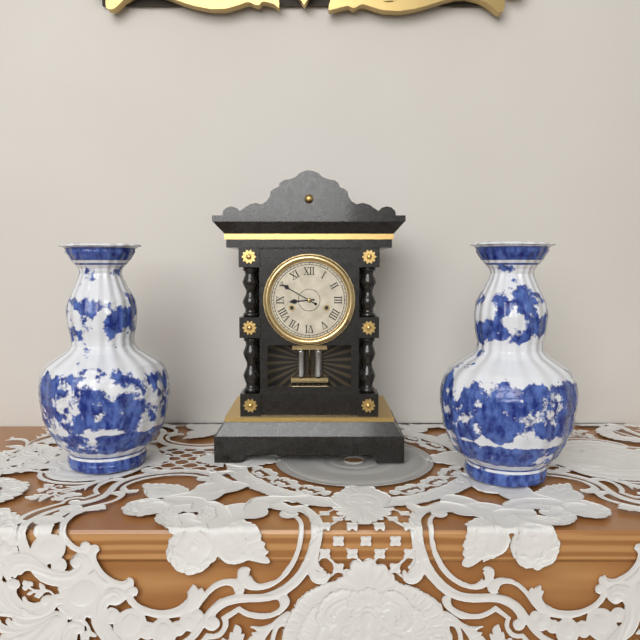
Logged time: 8:50
